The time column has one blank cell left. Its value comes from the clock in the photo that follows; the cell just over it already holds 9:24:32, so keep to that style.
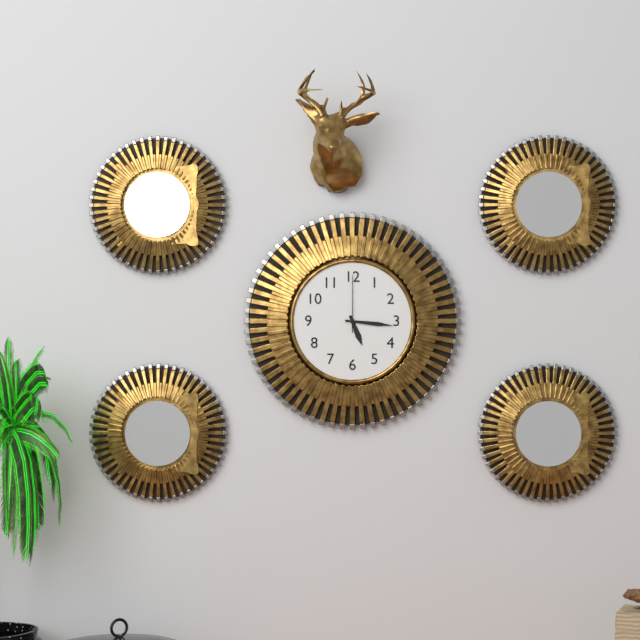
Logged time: 5:16:00
